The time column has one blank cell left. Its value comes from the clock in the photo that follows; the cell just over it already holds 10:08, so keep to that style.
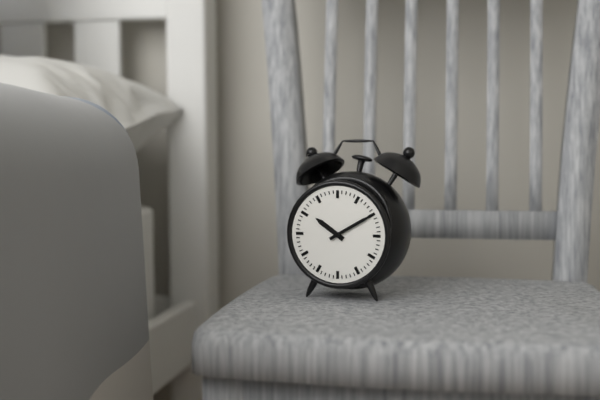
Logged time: 10:10
